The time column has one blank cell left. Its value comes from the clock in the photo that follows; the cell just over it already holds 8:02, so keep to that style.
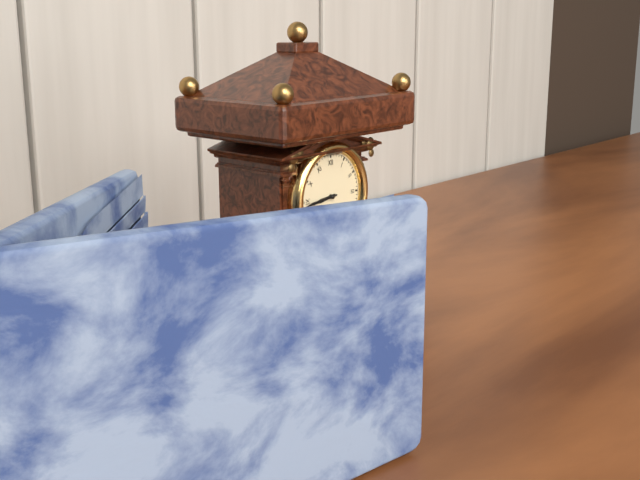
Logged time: 8:44
